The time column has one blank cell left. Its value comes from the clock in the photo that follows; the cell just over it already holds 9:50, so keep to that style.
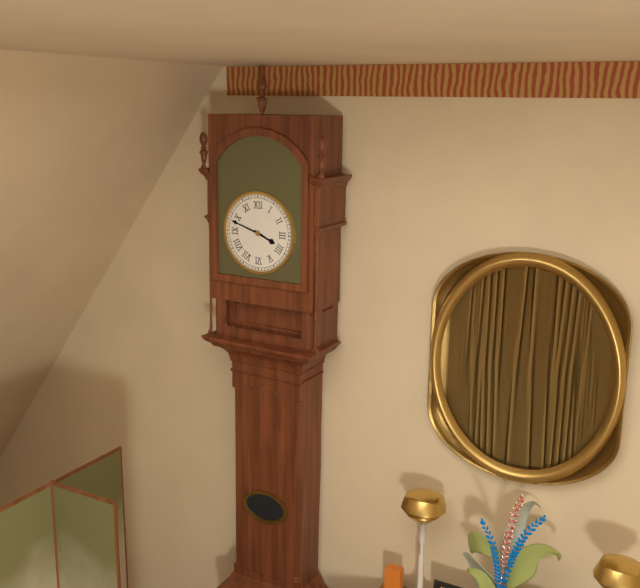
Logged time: 3:48
